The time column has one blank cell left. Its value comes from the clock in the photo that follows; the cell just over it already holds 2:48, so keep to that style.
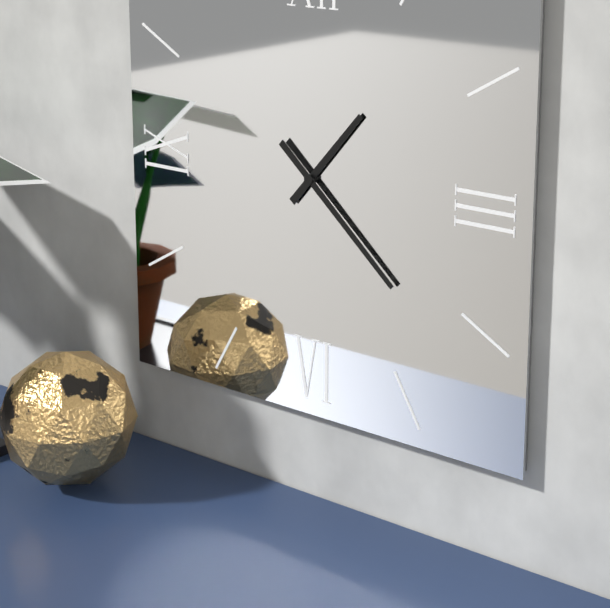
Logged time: 1:22
